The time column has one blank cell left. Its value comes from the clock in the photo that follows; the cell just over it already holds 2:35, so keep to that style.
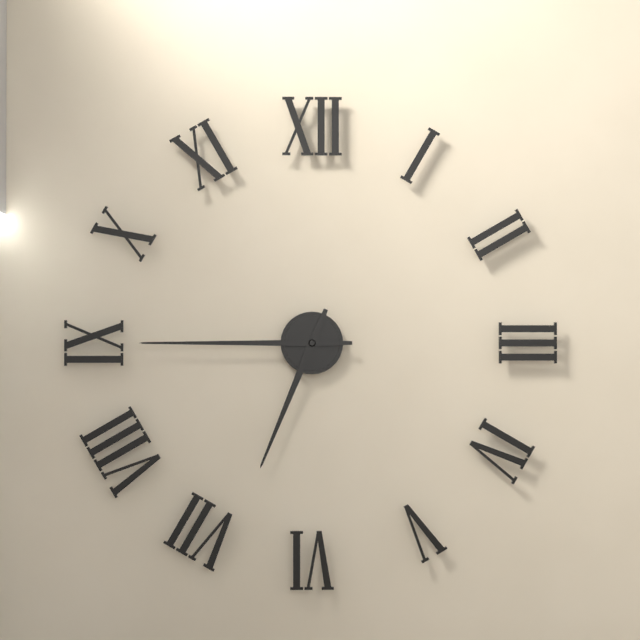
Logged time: 6:45
